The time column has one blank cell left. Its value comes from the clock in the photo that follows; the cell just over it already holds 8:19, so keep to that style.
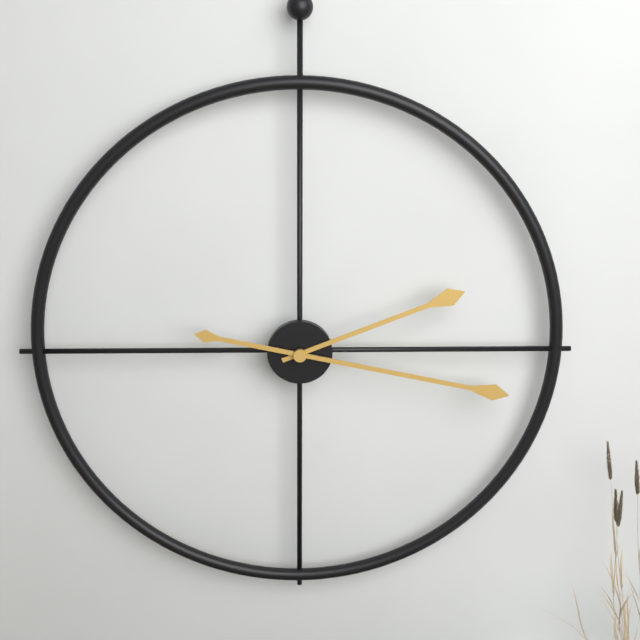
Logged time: 2:17
